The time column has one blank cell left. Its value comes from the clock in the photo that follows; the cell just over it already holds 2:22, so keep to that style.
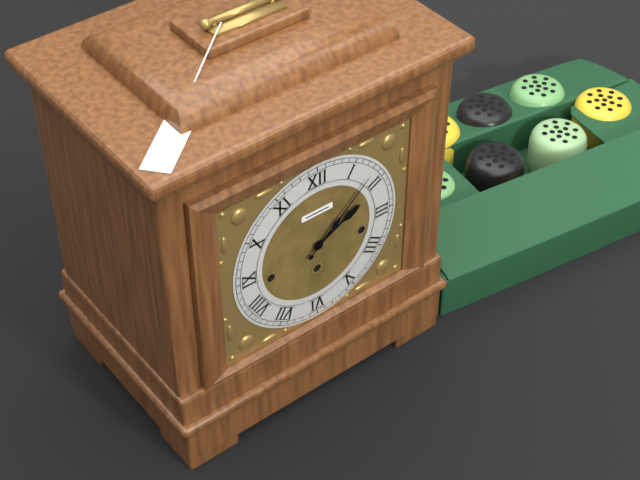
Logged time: 2:08
